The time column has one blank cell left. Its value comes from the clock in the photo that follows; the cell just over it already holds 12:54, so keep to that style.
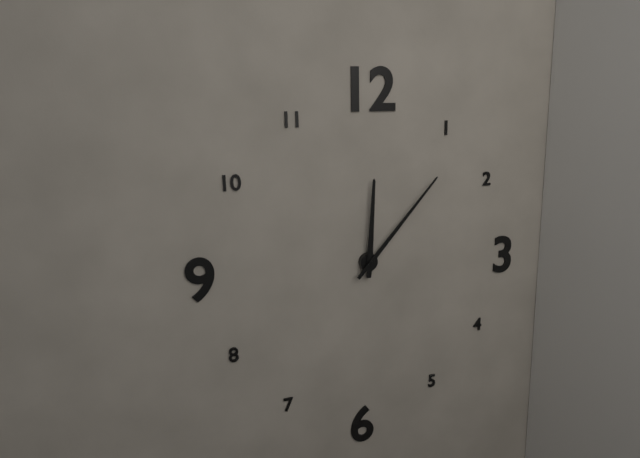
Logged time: 12:07
